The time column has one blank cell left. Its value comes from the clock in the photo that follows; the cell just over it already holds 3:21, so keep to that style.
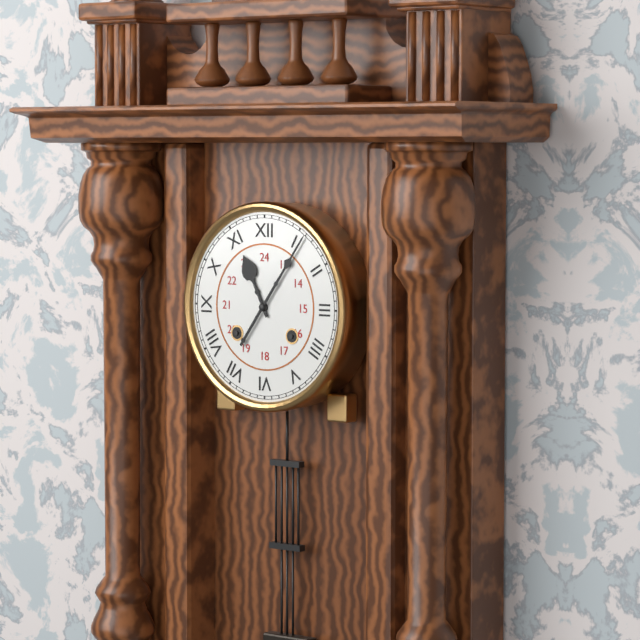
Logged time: 11:06
